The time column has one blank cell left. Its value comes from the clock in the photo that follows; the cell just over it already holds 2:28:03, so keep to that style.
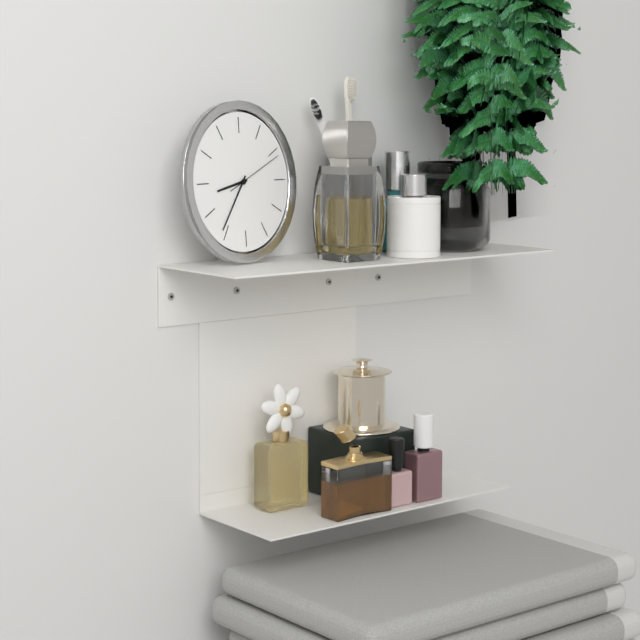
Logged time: 8:36:11
